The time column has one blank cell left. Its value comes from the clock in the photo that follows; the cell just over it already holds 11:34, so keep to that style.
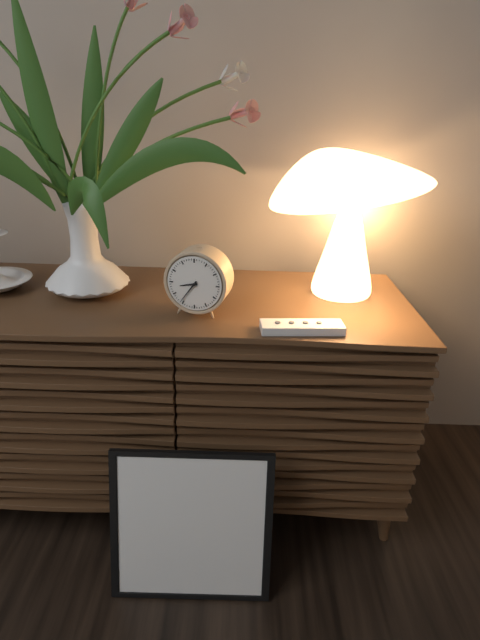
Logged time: 8:36
